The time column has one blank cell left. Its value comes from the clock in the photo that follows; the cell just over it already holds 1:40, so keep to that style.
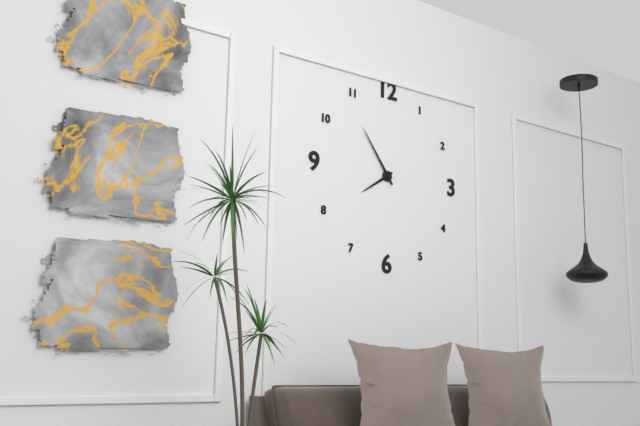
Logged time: 7:54
